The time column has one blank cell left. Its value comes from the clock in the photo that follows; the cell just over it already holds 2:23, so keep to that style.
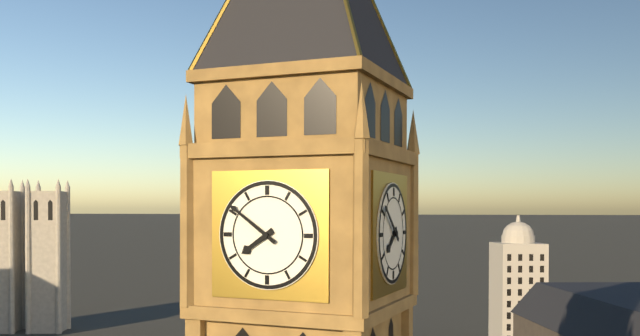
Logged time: 7:51
